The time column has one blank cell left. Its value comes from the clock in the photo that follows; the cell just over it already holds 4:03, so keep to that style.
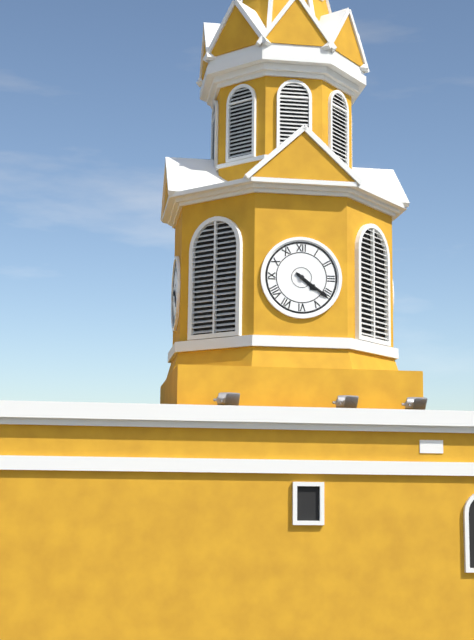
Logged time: 4:21
